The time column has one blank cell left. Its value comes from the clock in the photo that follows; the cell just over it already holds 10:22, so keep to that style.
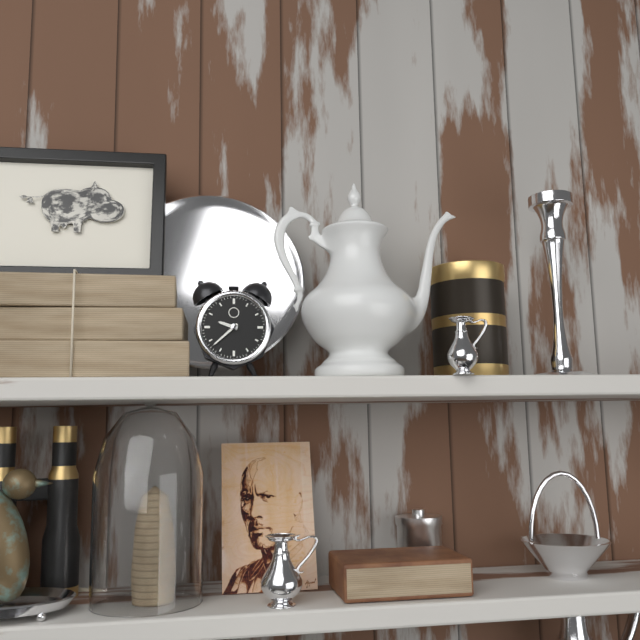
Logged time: 9:38
